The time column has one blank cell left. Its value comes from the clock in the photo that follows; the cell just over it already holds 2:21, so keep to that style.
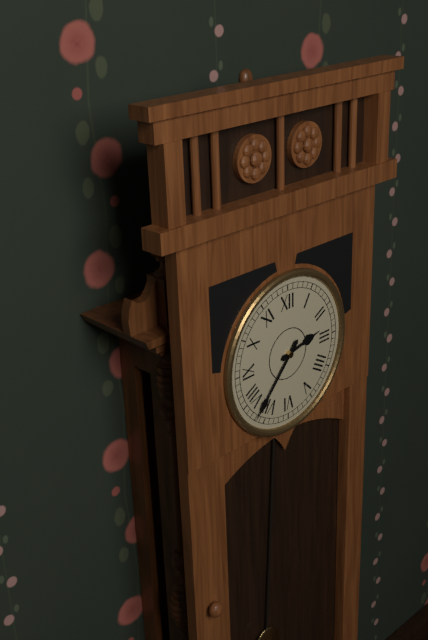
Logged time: 2:37
